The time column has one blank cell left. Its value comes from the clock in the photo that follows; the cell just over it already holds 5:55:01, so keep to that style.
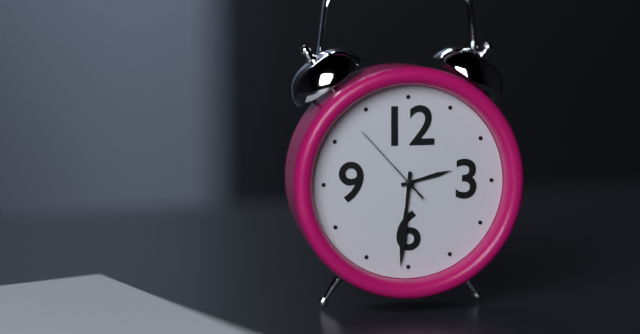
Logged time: 2:31:53
